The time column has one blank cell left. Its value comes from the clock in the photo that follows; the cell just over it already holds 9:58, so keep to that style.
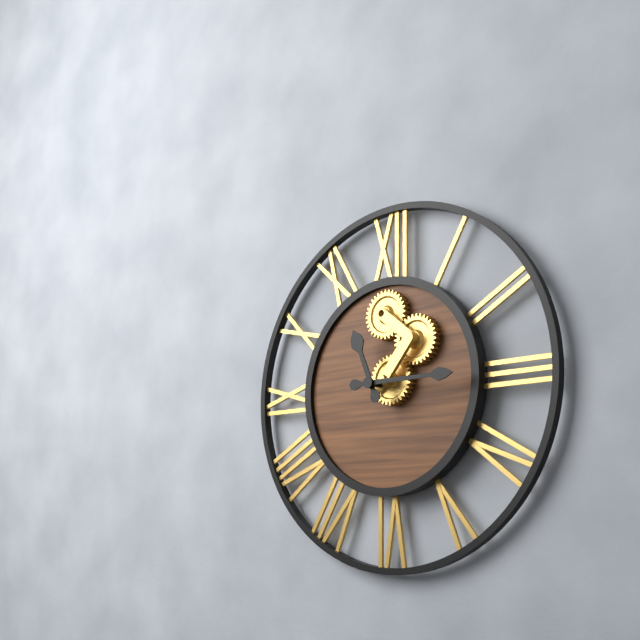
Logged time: 11:15
